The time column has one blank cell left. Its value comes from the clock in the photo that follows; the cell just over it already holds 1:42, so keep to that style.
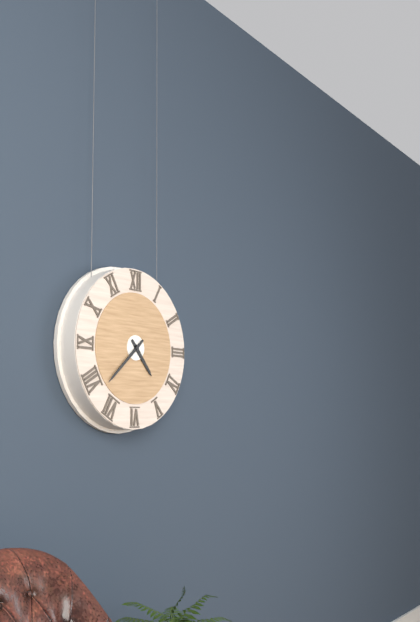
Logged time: 4:38
